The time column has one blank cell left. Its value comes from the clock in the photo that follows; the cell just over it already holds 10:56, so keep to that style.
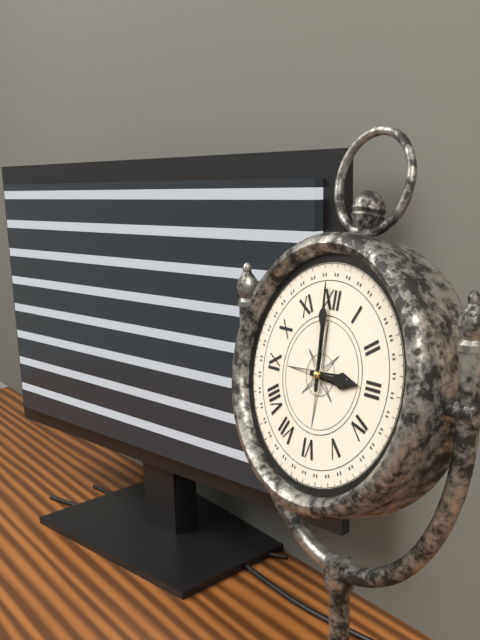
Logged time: 2:59
